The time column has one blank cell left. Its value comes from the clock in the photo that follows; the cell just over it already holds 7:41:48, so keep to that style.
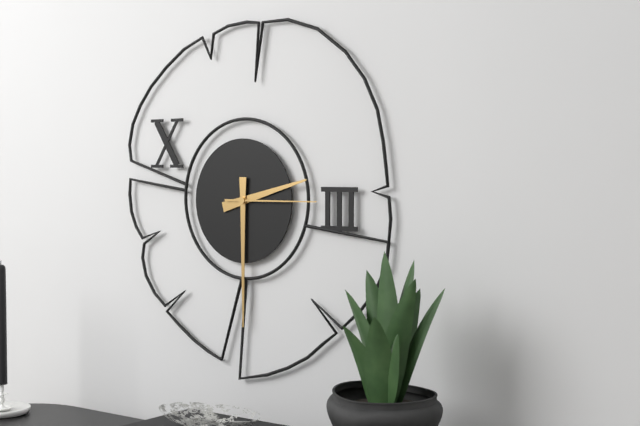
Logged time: 2:30:15
